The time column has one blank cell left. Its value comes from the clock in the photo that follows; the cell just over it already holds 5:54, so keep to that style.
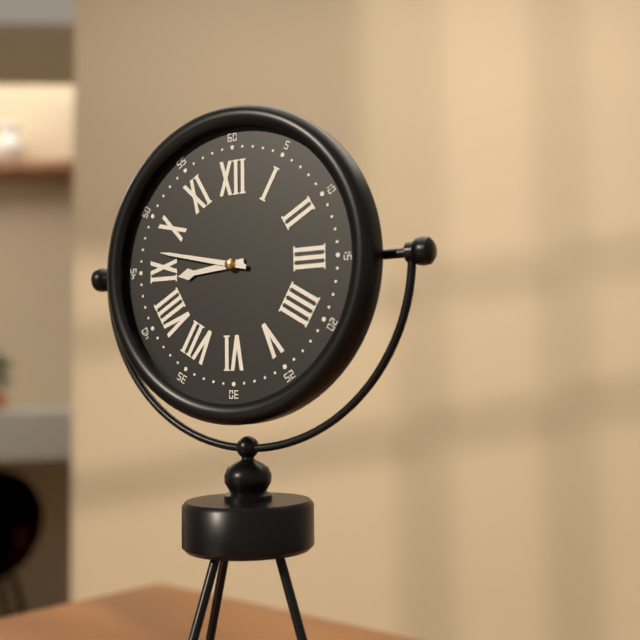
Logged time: 8:47
